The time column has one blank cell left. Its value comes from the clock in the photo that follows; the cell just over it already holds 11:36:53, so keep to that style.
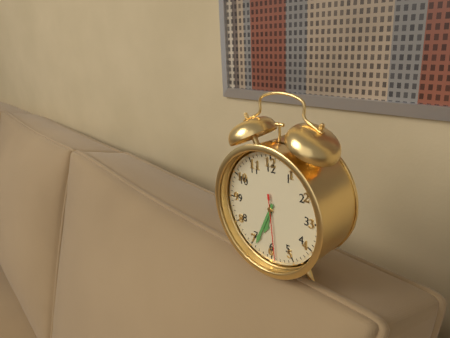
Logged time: 6:34:29
